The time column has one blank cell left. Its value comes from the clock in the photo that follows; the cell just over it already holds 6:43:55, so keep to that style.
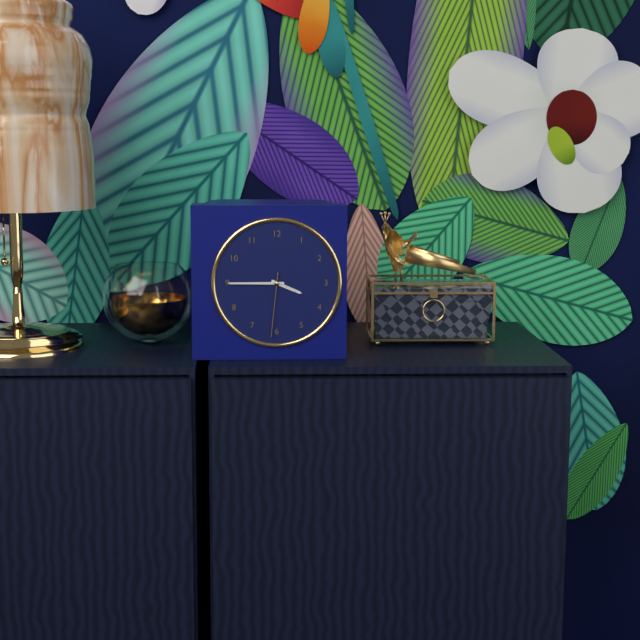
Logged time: 3:45:31
